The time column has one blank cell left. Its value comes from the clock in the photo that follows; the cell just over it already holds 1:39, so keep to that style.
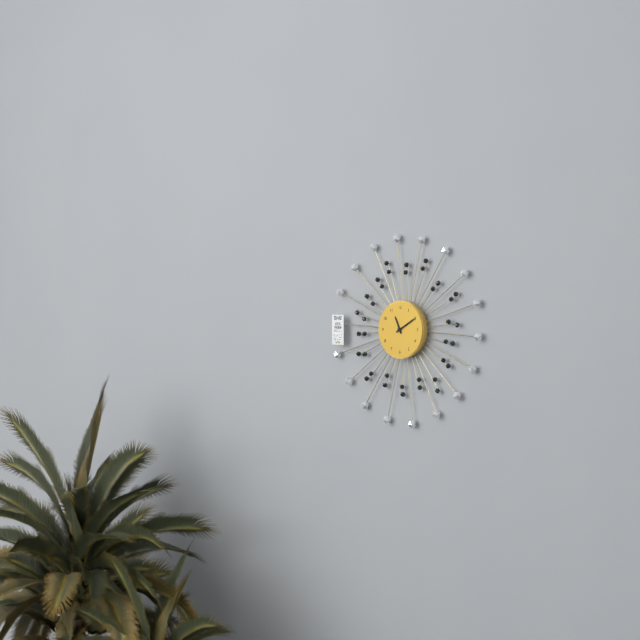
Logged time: 11:10
